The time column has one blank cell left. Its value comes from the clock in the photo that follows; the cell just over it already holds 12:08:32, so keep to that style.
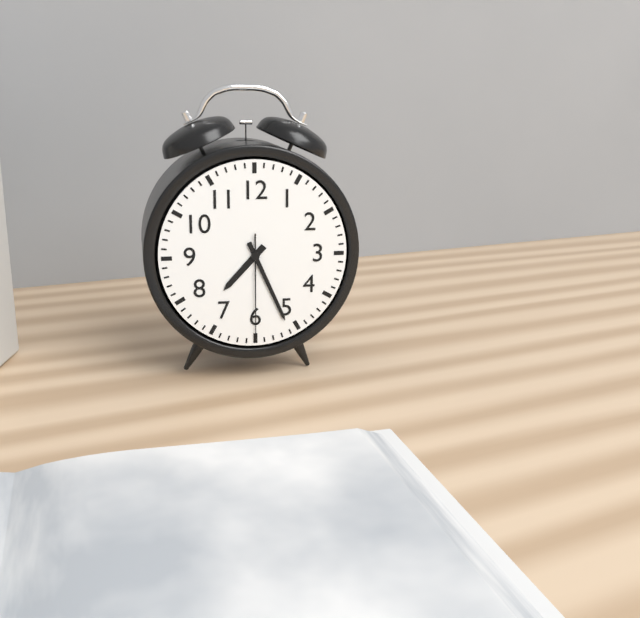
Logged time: 7:26:30
